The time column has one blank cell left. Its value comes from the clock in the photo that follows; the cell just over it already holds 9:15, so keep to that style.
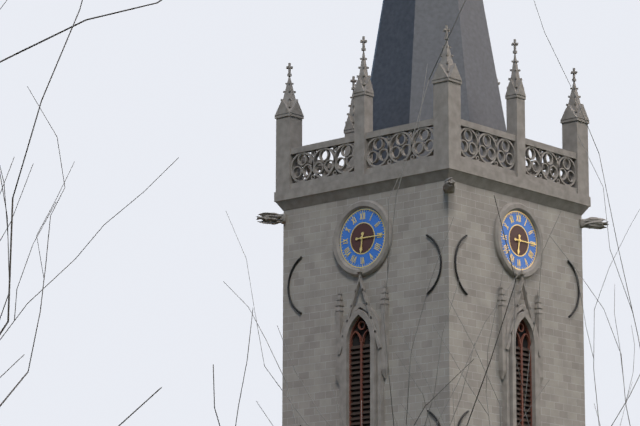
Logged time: 6:15
